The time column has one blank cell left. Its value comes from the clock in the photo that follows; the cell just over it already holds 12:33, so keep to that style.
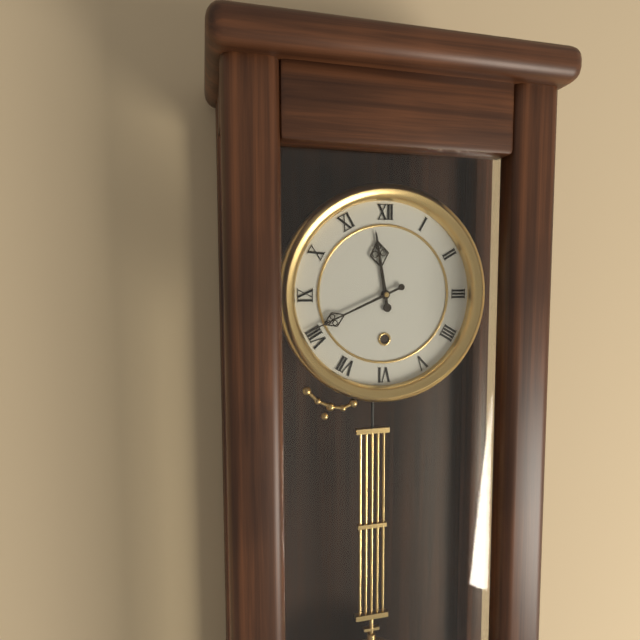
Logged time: 11:41
